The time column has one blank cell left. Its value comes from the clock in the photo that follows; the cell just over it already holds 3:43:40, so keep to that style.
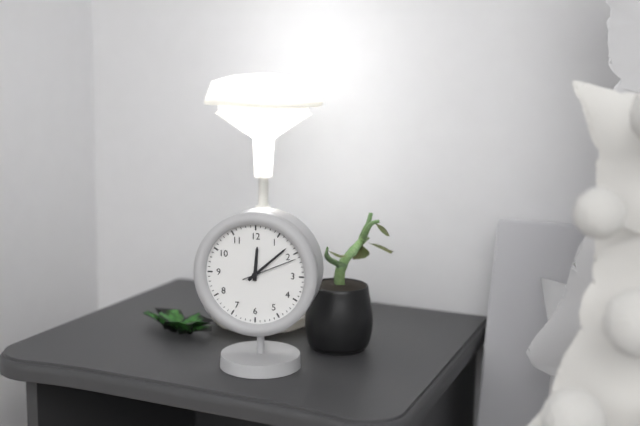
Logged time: 12:08:11
